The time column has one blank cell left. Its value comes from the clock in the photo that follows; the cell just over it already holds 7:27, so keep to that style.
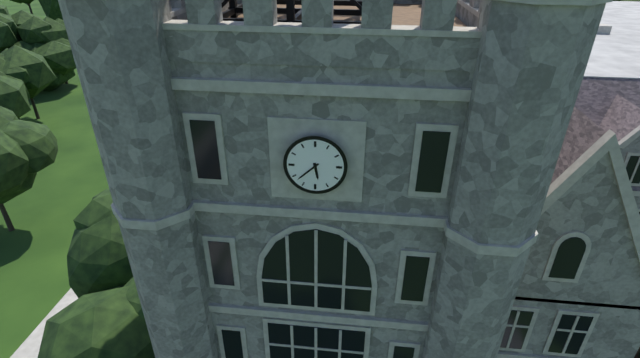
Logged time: 5:38
